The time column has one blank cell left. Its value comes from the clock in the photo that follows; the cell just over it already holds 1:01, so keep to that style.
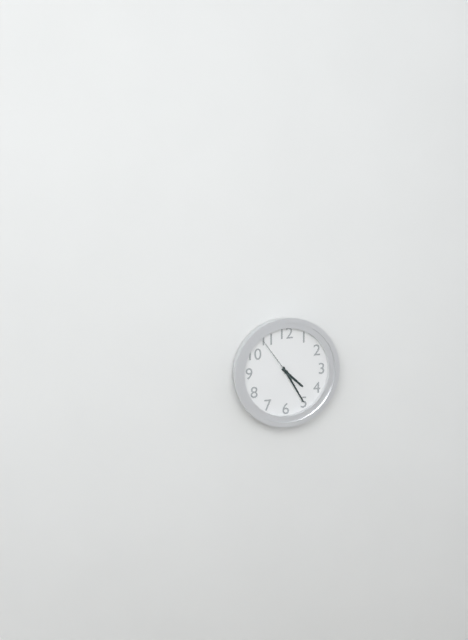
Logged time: 4:25
